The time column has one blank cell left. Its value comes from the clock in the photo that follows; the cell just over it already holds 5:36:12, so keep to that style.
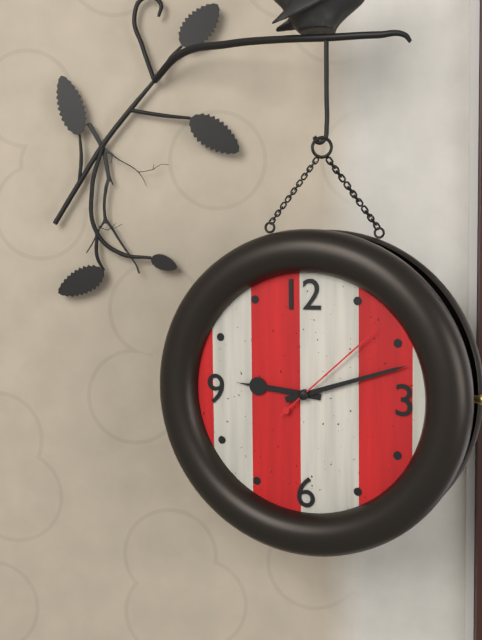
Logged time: 9:12:08
